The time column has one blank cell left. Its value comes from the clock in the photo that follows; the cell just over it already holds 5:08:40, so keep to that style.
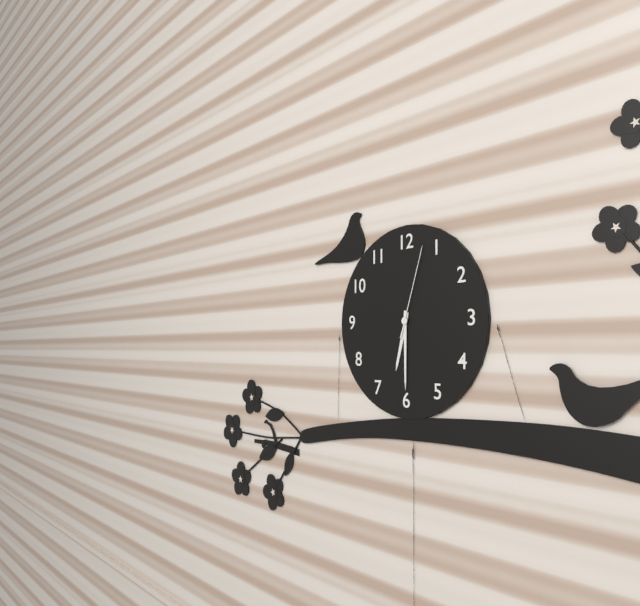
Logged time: 6:30:03
